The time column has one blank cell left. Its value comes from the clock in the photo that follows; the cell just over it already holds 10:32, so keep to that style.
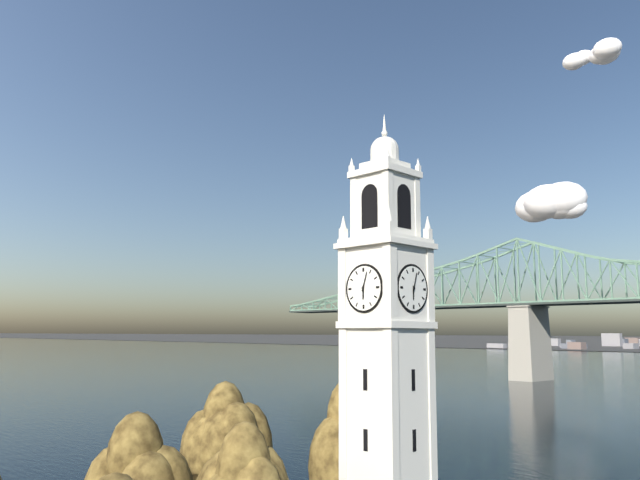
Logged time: 6:03
